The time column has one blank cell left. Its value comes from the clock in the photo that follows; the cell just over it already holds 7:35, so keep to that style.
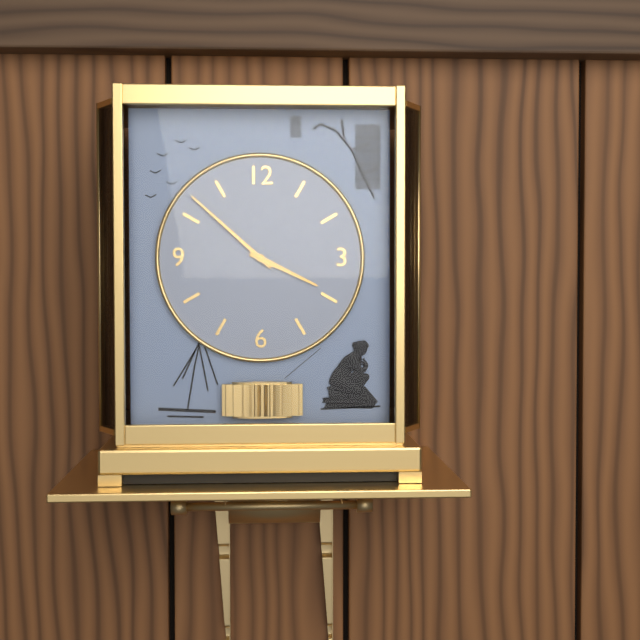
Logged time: 3:52
